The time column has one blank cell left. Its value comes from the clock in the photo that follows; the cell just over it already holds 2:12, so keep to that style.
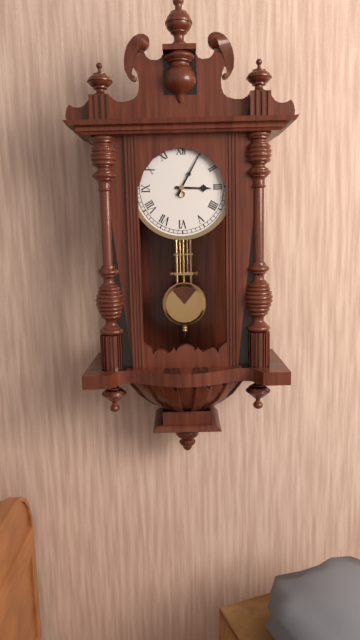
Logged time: 3:05
